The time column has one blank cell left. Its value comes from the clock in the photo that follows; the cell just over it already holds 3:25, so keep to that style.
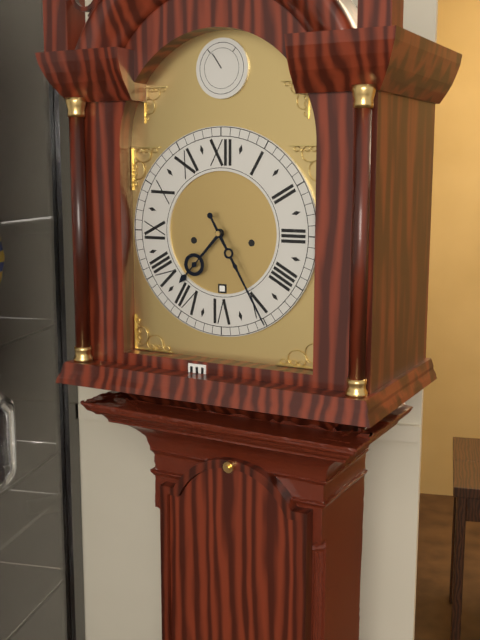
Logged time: 7:25
